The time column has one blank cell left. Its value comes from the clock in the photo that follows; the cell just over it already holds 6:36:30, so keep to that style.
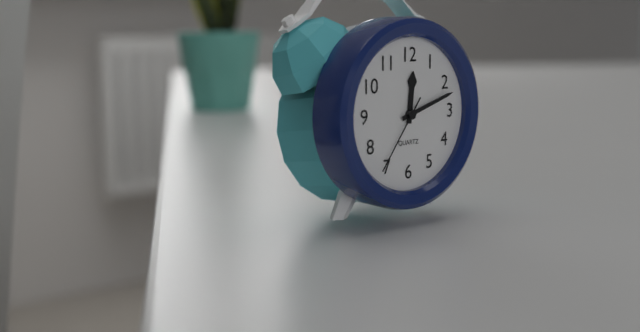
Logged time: 12:12:36
